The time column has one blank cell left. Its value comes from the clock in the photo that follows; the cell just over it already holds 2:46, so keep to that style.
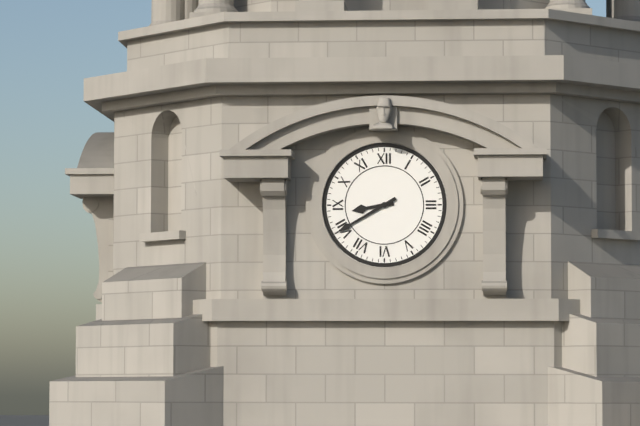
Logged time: 8:40
